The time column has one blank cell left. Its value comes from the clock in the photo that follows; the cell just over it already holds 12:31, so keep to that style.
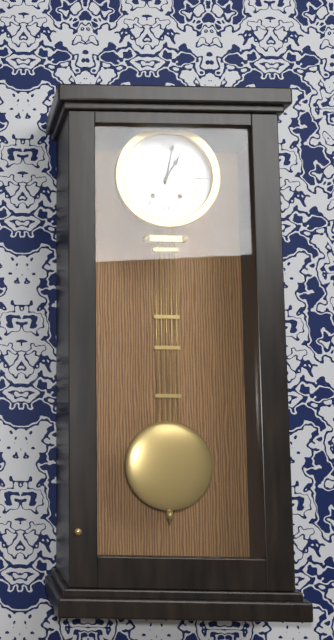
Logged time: 1:02
